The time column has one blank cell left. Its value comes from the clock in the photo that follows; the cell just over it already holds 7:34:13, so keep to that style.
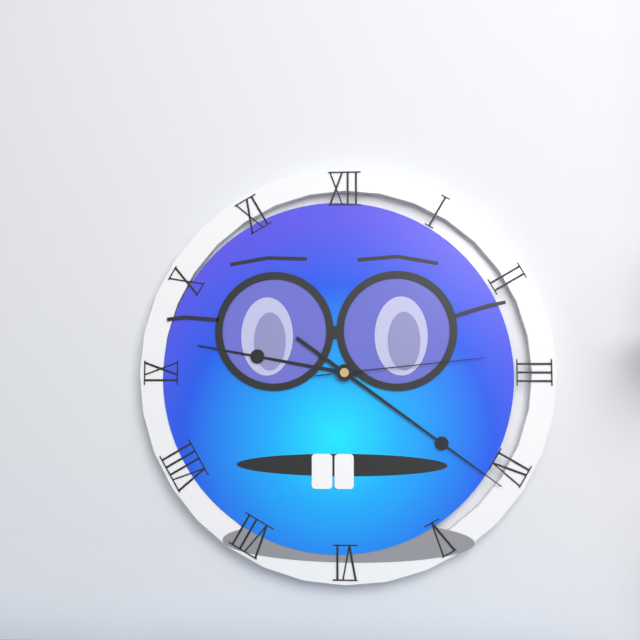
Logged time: 9:21:14
